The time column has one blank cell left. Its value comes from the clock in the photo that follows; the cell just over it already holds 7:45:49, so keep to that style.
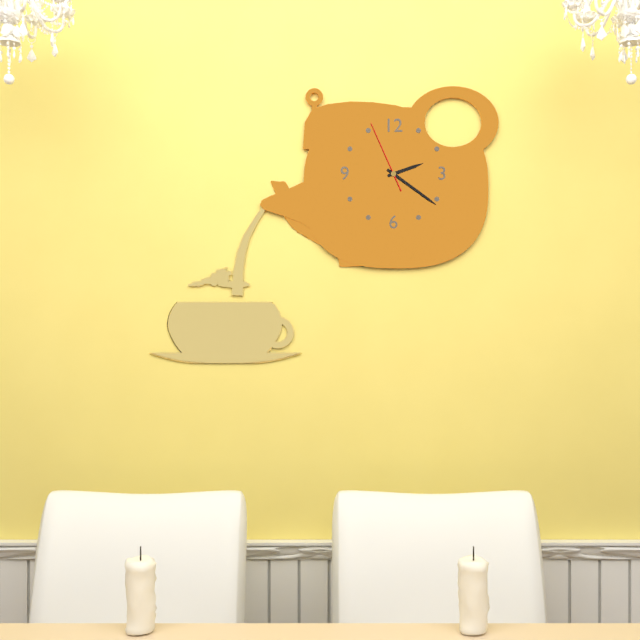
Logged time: 2:21:56
